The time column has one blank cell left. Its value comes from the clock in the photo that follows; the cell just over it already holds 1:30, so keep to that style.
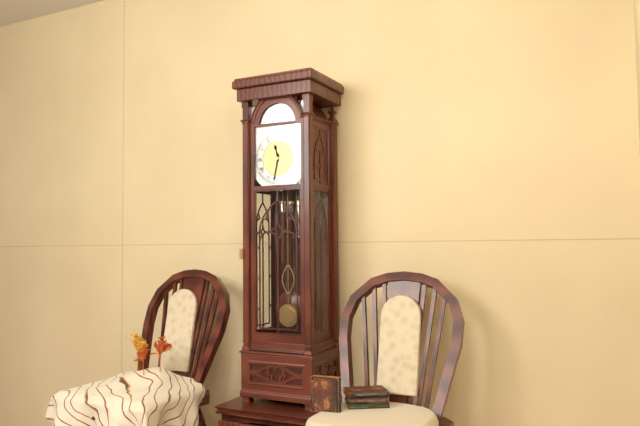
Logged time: 11:32
